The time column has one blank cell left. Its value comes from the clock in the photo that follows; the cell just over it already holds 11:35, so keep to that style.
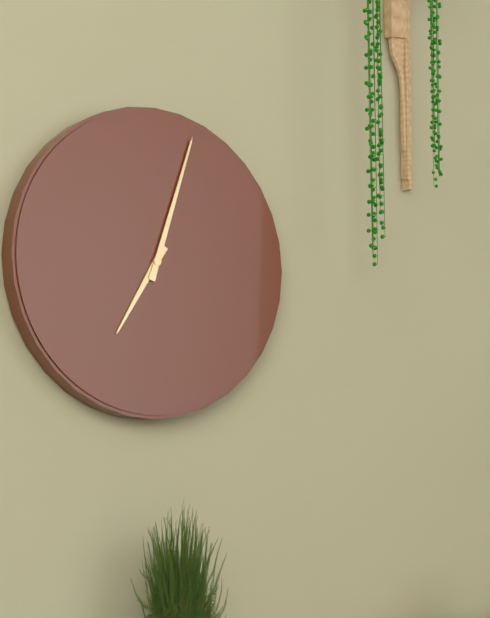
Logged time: 7:03
